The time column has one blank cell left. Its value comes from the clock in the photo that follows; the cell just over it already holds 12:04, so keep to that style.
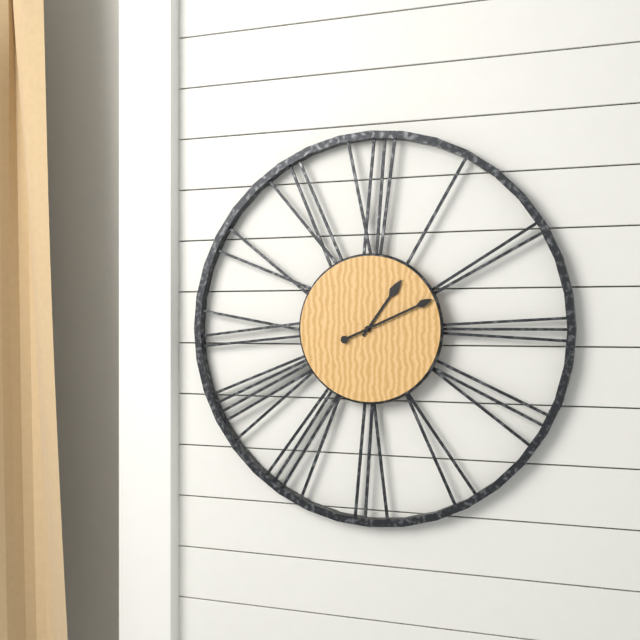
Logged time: 1:11
